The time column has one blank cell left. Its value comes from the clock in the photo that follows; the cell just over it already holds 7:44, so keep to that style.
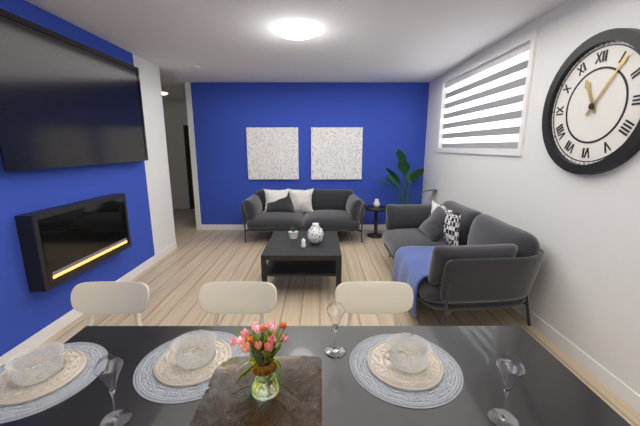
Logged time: 11:06
